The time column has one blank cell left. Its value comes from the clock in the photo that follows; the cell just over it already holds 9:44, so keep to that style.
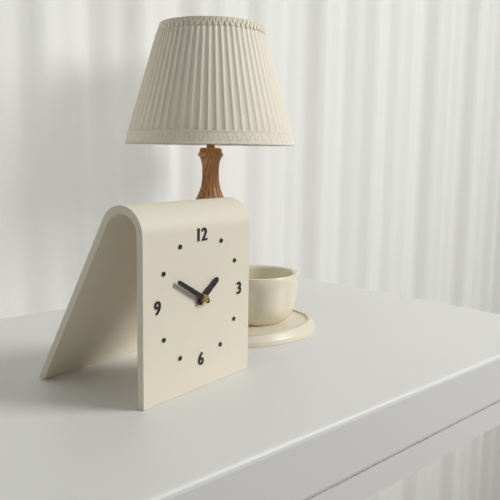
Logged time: 1:50
